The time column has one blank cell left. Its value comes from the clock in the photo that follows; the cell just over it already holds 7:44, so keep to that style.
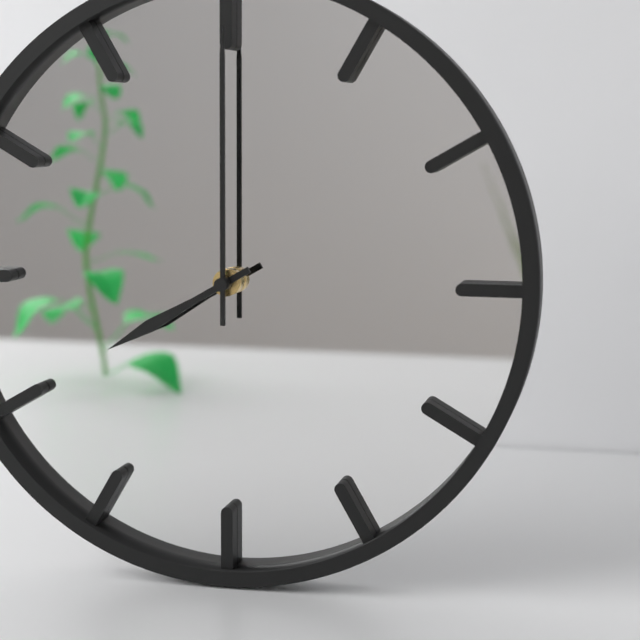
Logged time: 8:00
